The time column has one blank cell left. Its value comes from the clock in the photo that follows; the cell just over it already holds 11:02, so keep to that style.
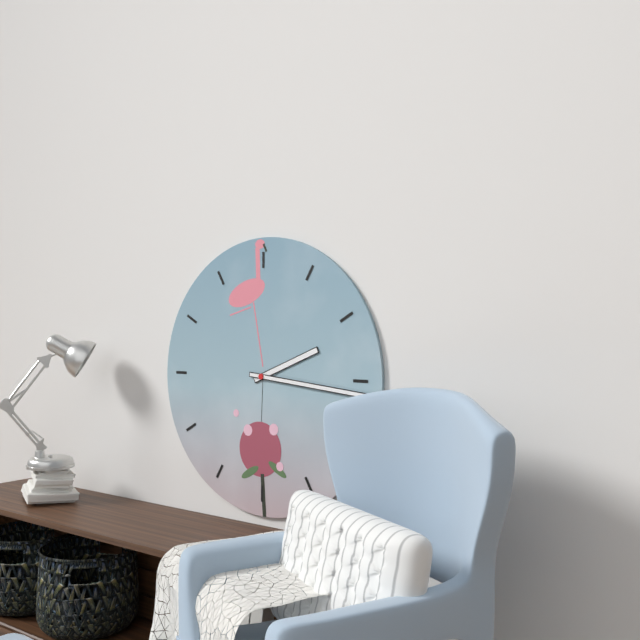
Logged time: 2:16
